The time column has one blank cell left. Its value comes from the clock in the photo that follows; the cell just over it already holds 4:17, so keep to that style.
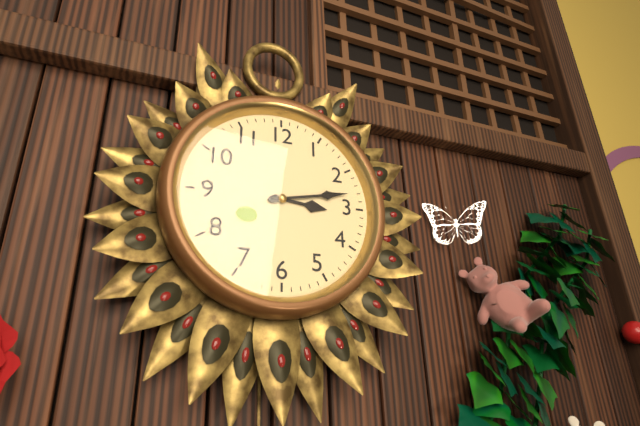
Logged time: 3:13
